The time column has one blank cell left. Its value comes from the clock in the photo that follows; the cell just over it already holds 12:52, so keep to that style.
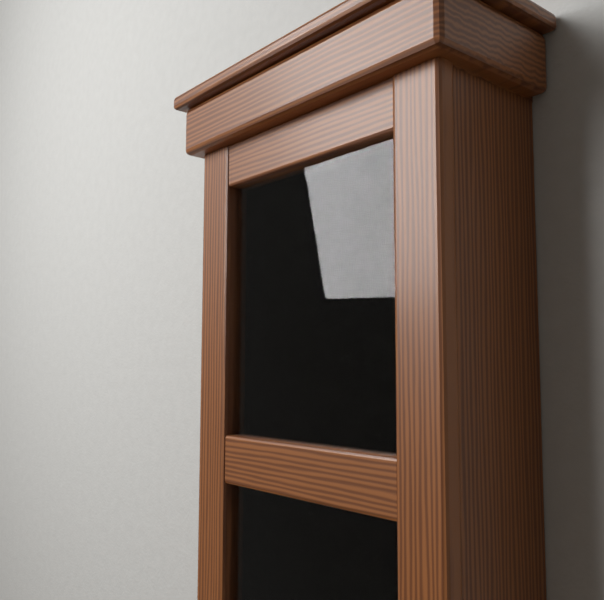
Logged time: 12:09
